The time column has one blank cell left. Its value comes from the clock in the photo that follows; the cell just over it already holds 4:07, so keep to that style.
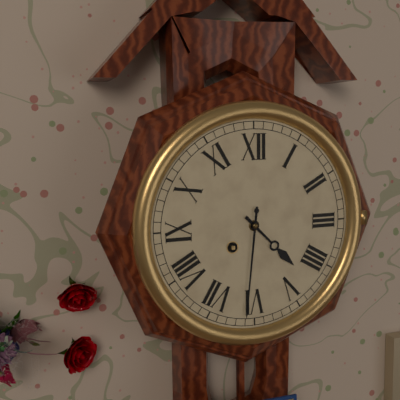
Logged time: 4:31
